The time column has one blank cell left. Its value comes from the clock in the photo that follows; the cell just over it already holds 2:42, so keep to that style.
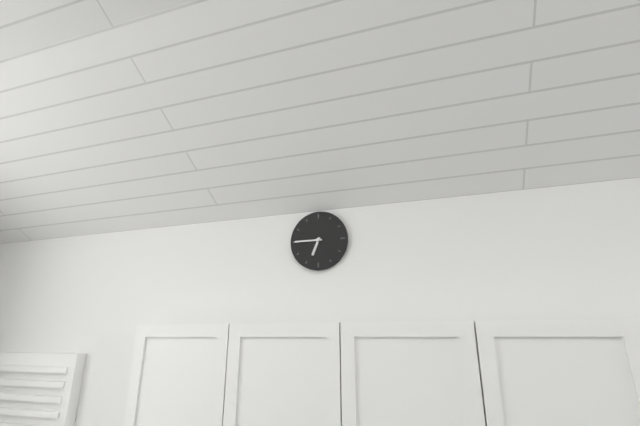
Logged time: 6:45
